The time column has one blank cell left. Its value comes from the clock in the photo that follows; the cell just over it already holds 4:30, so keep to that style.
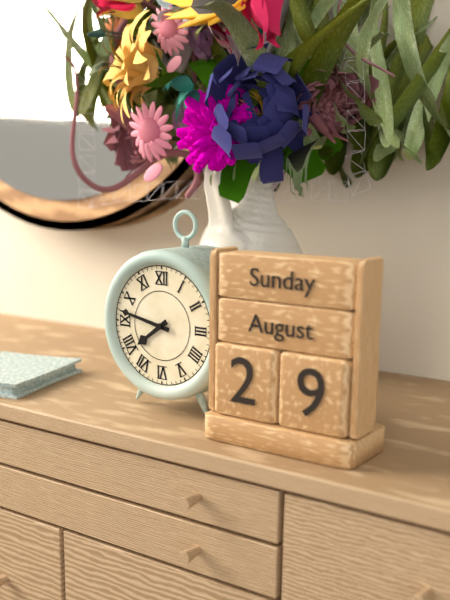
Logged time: 7:47
